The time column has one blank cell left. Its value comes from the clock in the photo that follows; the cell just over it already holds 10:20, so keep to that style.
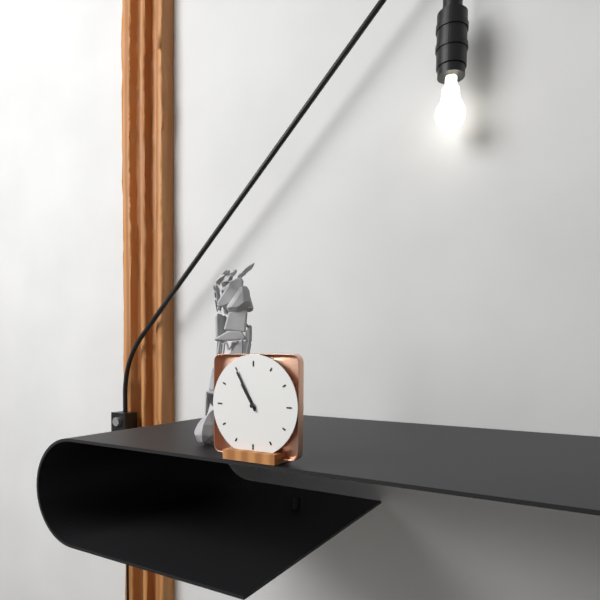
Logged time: 10:55
